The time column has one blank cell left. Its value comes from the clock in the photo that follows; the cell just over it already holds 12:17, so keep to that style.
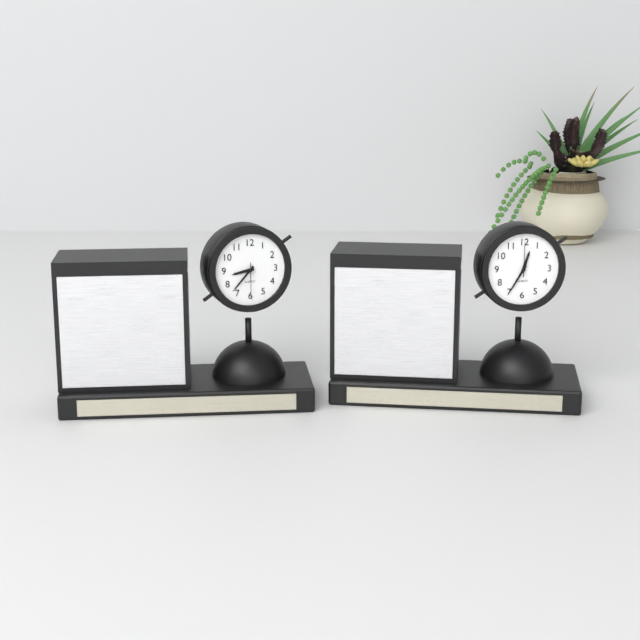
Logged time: 8:37
